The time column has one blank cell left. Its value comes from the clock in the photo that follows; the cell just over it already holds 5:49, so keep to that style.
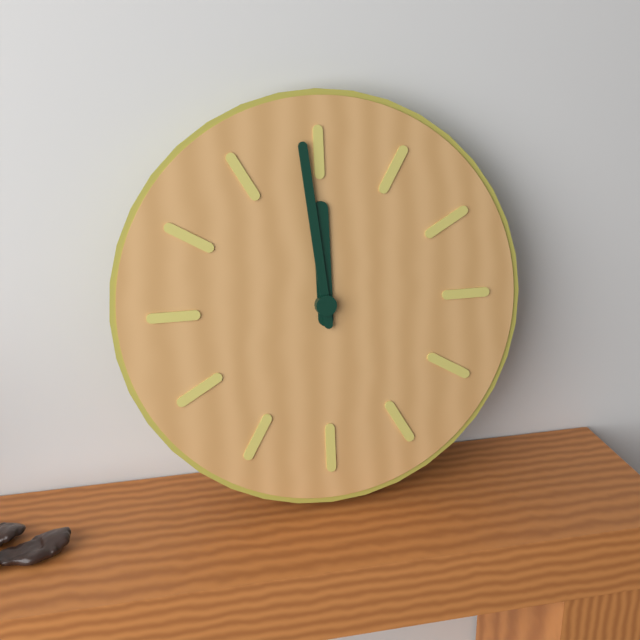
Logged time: 11:59
